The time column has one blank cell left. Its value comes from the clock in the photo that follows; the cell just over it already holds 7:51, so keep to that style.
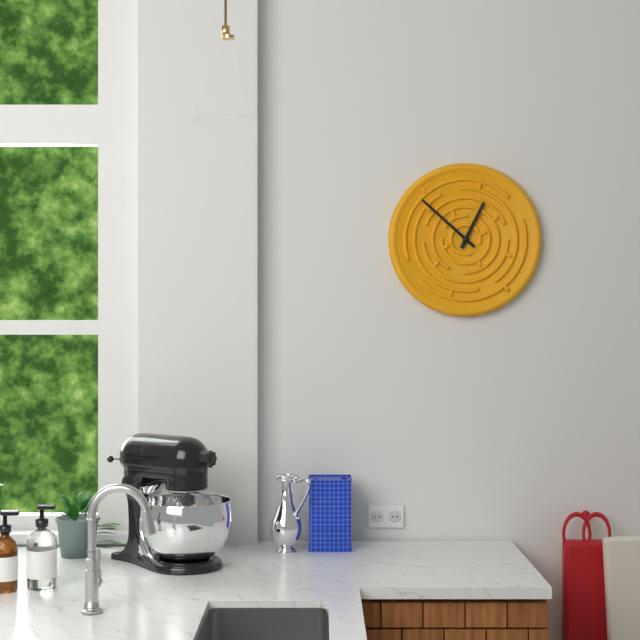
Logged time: 12:52
